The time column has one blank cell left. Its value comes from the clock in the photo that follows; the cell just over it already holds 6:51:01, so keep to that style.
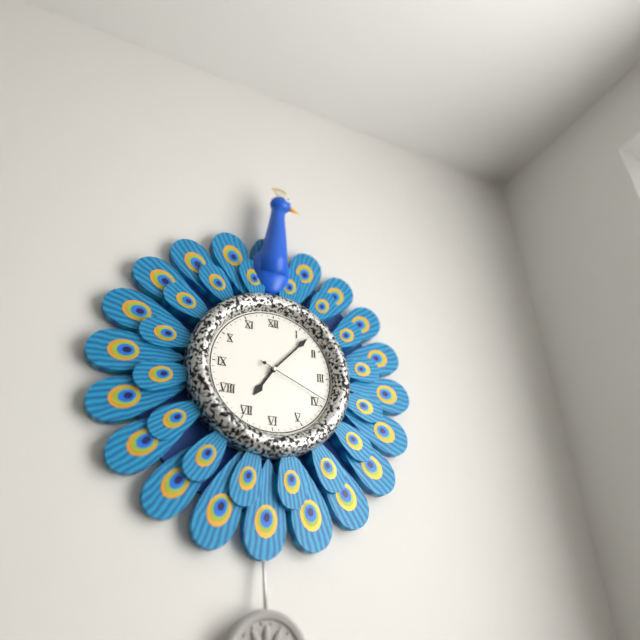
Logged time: 7:07:19
